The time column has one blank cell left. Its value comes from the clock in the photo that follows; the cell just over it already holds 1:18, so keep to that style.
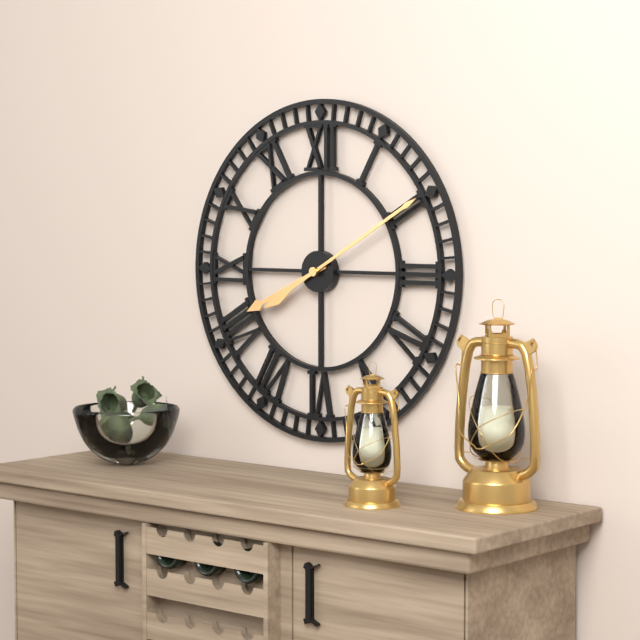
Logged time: 8:10
